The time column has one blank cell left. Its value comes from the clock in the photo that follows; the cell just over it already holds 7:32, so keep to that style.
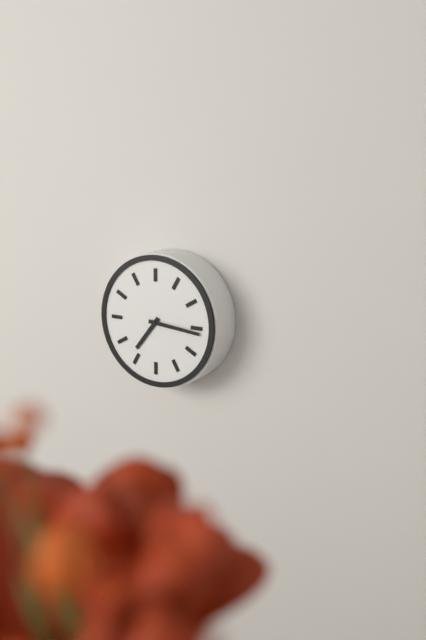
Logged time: 7:16
